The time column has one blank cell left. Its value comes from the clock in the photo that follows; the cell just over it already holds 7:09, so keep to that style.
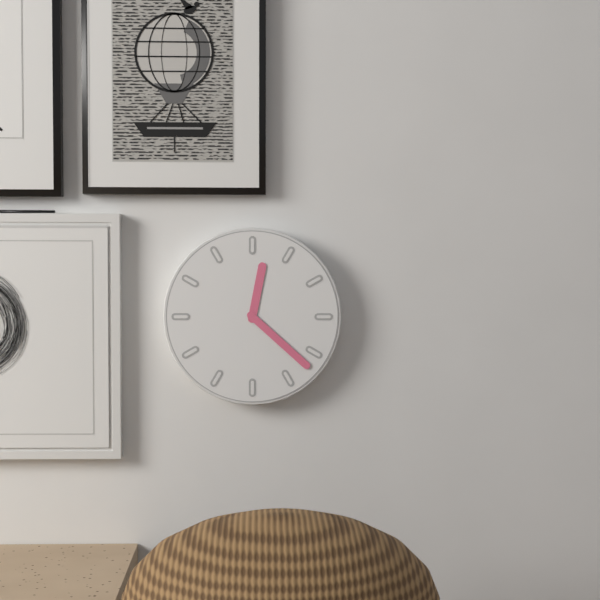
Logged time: 12:22
